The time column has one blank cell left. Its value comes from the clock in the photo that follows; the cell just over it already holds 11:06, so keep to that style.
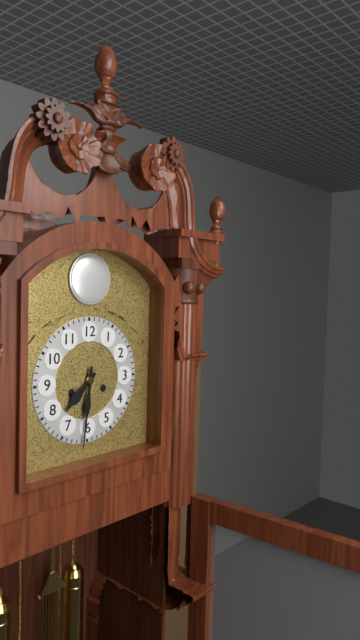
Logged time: 7:31
